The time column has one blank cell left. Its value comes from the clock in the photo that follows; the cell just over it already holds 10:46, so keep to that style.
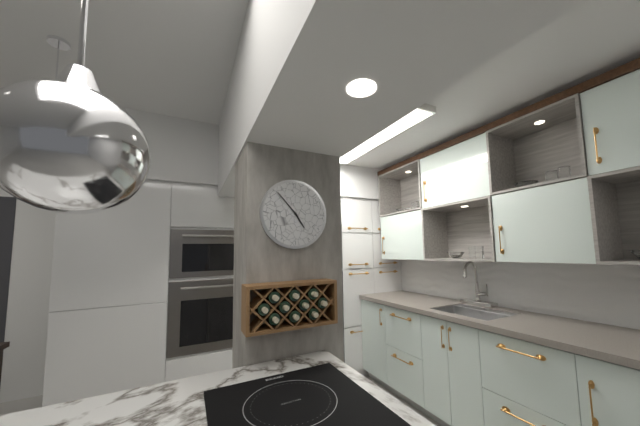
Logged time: 4:53
